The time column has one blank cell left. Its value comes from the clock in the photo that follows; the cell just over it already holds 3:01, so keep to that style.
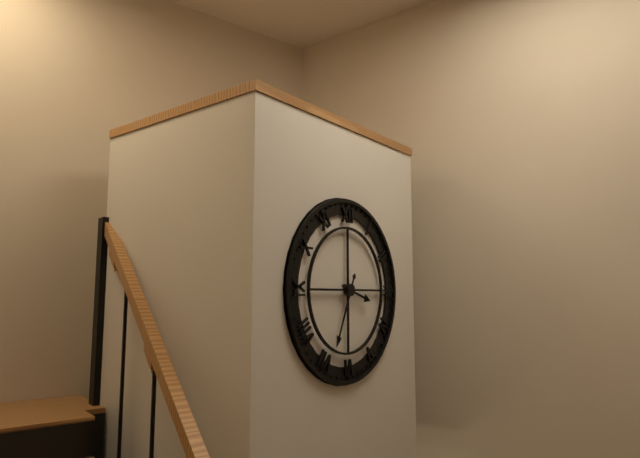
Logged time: 3:34
